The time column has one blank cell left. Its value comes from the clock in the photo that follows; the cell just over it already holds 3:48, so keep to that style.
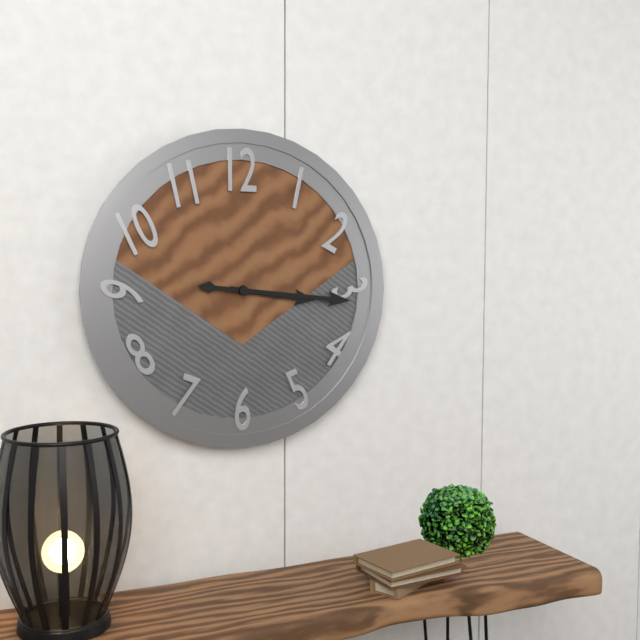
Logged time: 3:16
